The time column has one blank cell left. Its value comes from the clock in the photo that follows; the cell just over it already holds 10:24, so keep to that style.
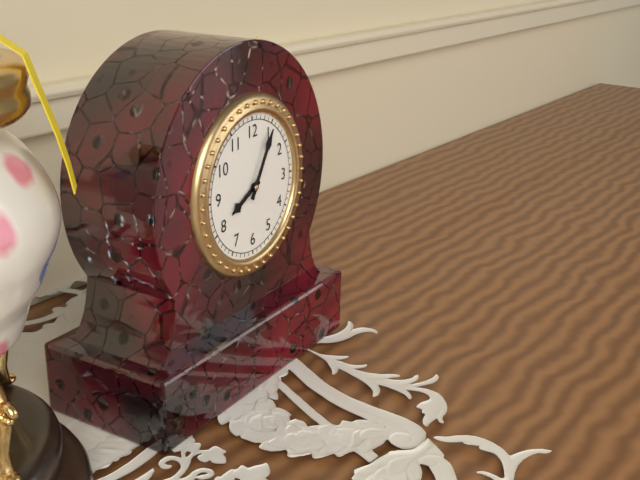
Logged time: 8:05
